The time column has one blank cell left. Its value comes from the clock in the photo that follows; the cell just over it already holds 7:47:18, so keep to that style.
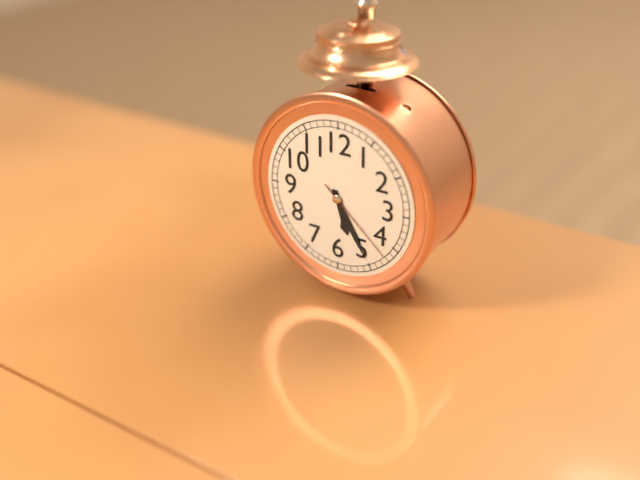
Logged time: 5:25:22
